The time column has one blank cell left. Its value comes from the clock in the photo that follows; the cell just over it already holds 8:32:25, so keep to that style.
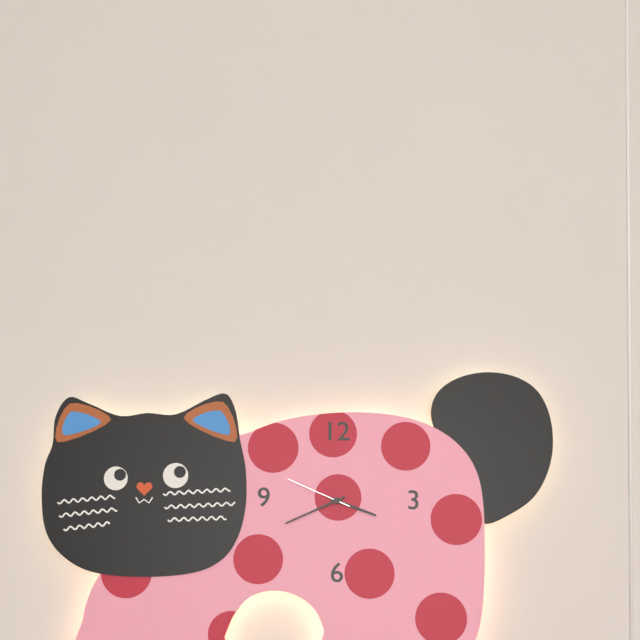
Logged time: 3:41:49
